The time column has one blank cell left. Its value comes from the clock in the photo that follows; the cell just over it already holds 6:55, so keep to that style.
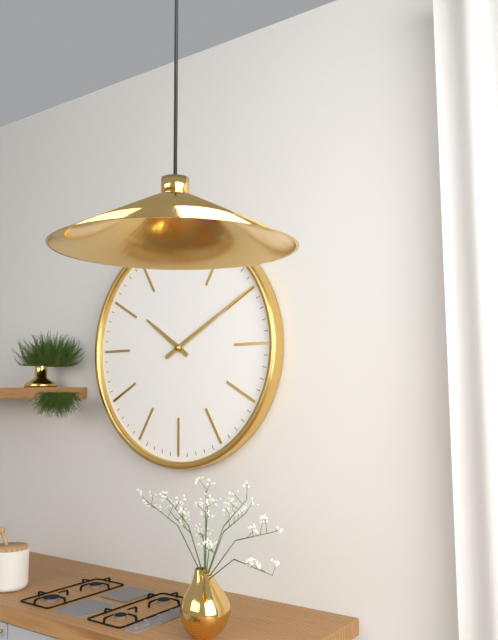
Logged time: 10:10
